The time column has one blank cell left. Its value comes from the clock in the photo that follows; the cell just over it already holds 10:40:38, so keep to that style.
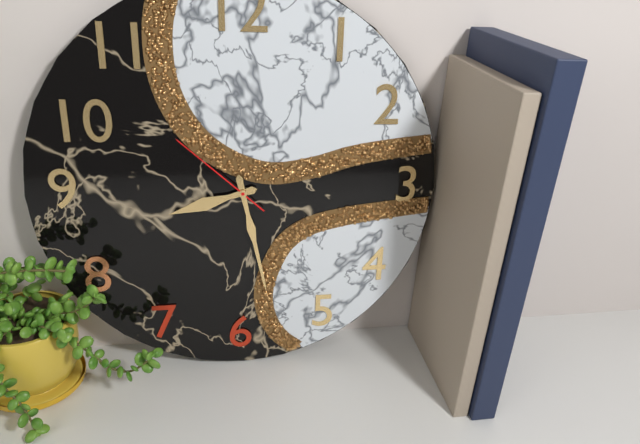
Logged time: 8:28:52
